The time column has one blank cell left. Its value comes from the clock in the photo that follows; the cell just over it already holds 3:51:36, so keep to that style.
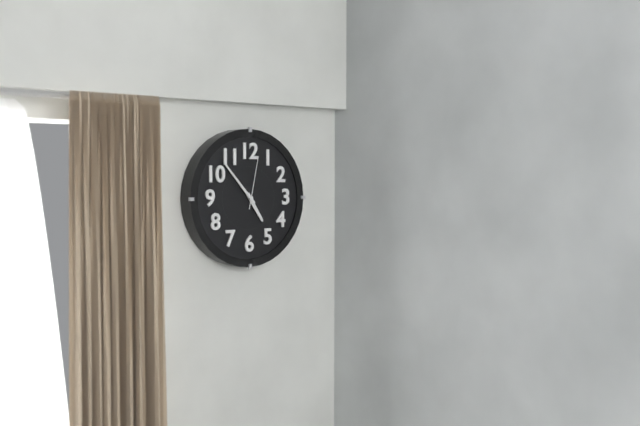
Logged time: 4:53:02
